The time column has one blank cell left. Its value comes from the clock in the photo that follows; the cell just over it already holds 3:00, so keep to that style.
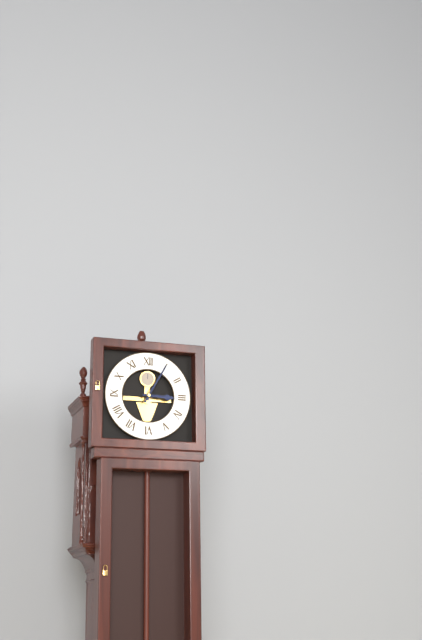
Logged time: 3:05
